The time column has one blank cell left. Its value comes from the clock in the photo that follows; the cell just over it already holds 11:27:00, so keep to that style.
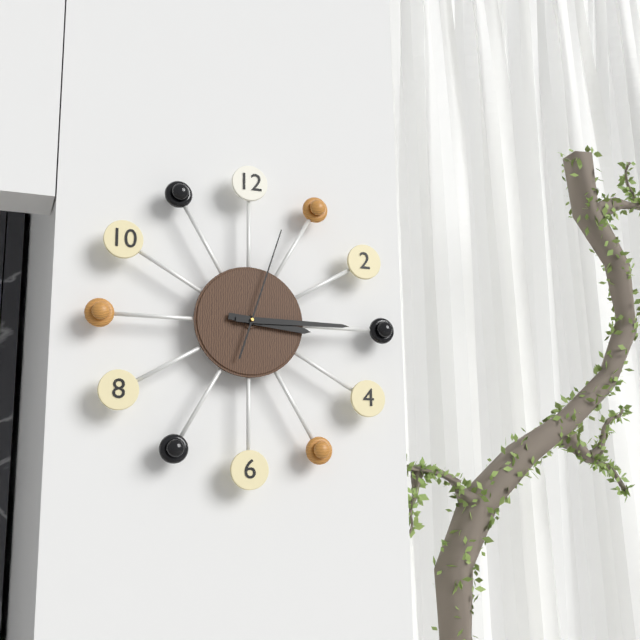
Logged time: 3:15:03
